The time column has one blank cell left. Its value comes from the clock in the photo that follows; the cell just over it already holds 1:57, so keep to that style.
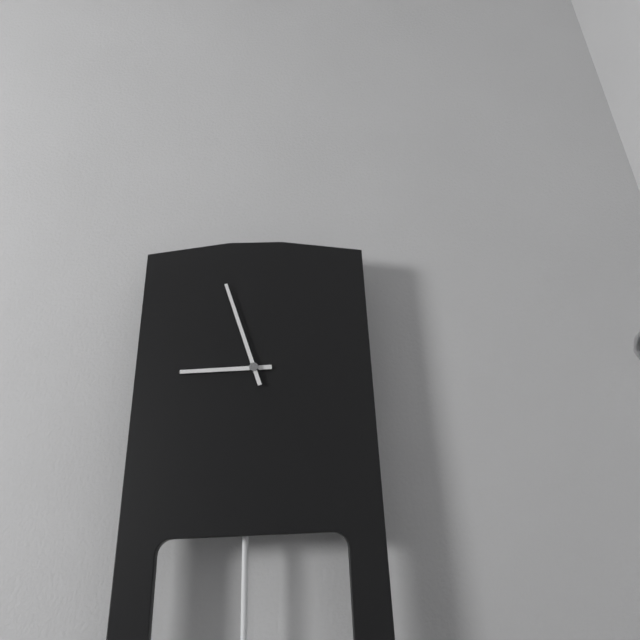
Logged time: 8:57
